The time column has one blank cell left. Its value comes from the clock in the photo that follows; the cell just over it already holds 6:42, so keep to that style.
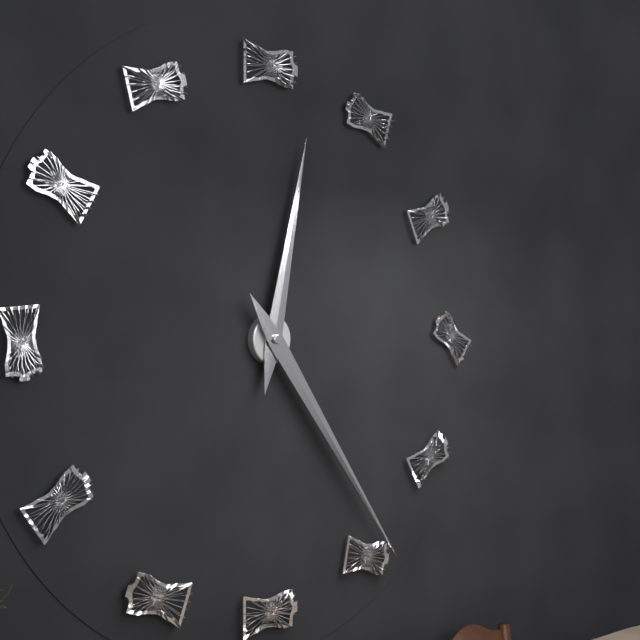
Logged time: 12:24
